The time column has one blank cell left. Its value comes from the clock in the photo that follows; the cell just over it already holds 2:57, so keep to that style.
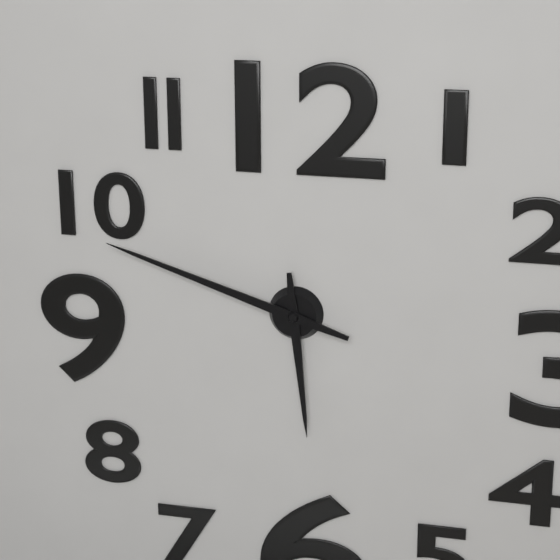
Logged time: 5:48
